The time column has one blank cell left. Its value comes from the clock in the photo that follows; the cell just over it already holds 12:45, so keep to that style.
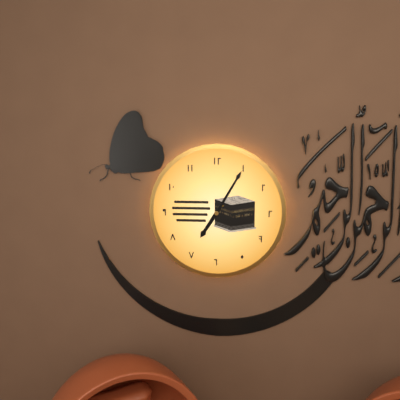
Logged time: 7:05
